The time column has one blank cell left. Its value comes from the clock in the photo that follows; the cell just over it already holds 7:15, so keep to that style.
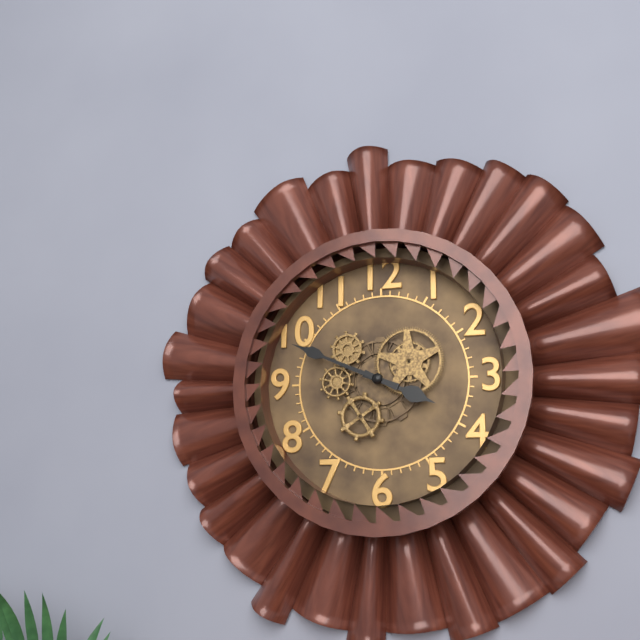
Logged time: 3:49
